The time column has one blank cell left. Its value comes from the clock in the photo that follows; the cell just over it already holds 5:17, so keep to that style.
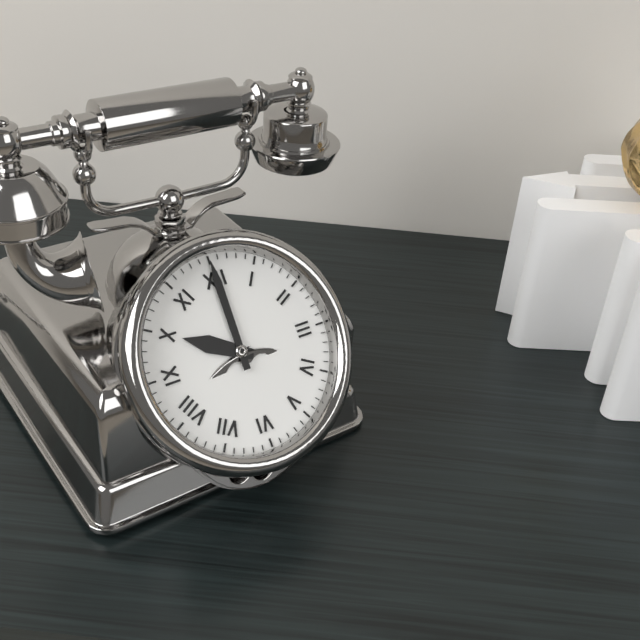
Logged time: 10:00
